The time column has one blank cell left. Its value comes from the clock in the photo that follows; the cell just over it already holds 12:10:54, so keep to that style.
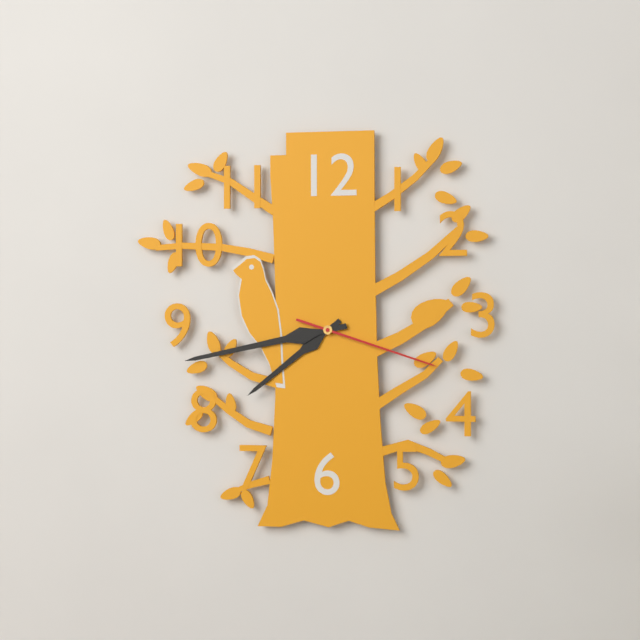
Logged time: 7:43:18
